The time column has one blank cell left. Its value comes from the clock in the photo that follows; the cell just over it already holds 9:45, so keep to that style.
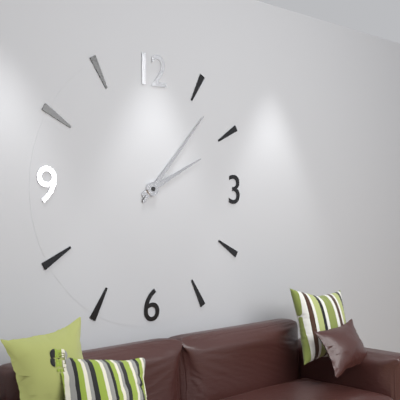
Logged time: 2:07
